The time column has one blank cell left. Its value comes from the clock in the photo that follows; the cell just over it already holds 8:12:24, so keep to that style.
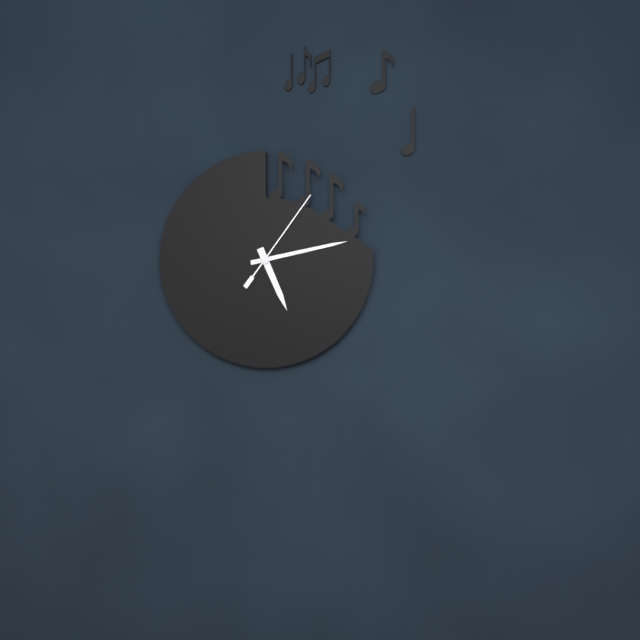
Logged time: 5:13:06
